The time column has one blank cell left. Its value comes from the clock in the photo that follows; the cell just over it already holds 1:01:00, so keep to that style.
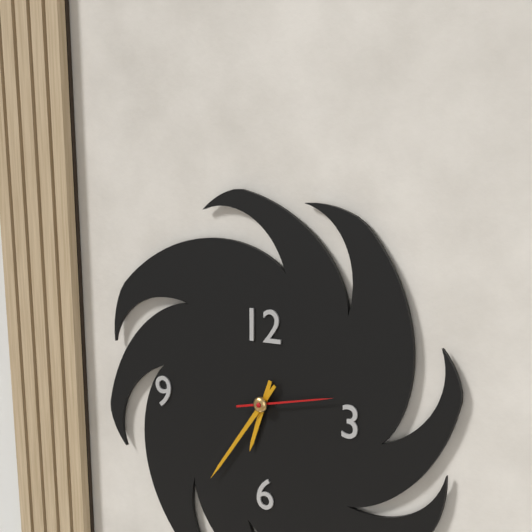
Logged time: 6:36:13
